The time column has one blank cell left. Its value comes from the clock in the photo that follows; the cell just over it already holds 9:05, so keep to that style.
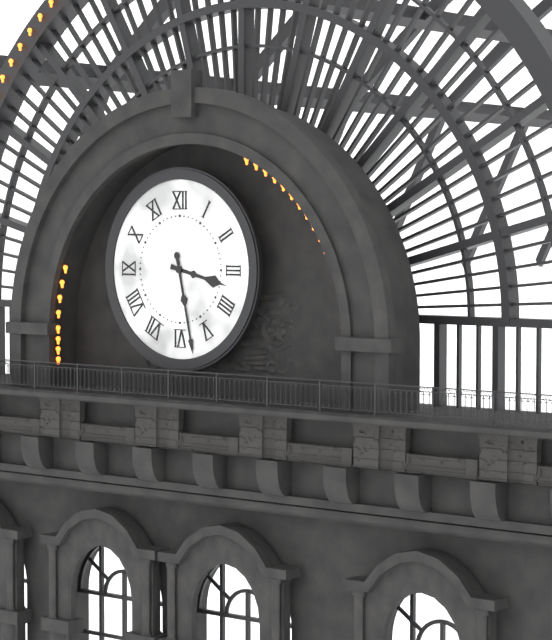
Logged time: 3:28
